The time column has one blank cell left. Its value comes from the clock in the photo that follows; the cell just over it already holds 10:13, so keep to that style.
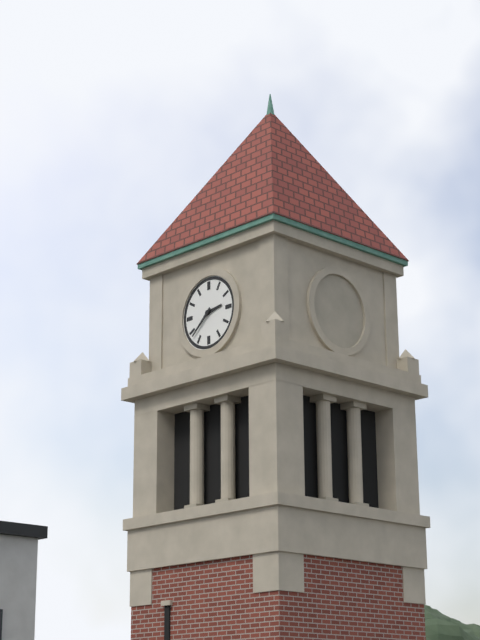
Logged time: 2:38
